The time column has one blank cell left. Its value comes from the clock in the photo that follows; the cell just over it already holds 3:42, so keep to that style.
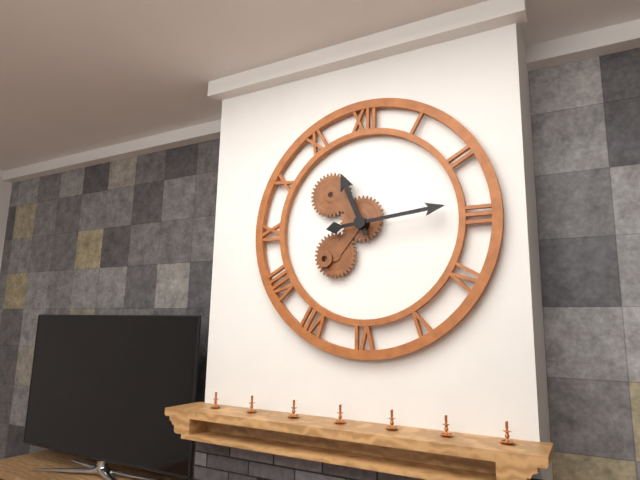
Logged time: 11:14
